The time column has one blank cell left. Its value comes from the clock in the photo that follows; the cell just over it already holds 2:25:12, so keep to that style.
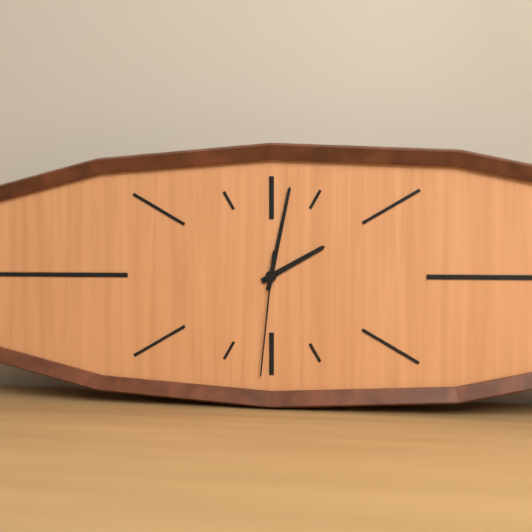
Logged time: 2:02:31
